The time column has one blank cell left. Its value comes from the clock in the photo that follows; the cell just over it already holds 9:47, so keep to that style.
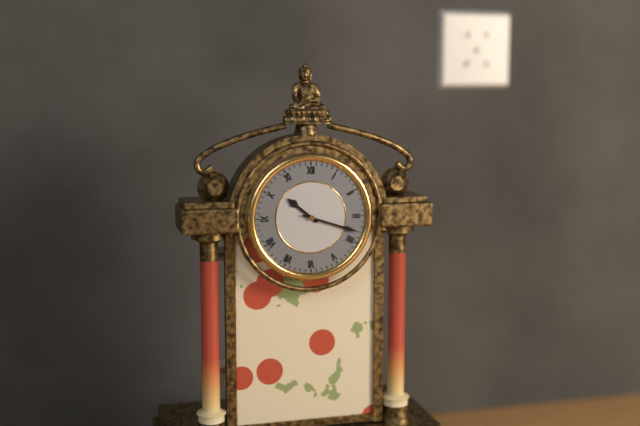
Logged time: 10:18
